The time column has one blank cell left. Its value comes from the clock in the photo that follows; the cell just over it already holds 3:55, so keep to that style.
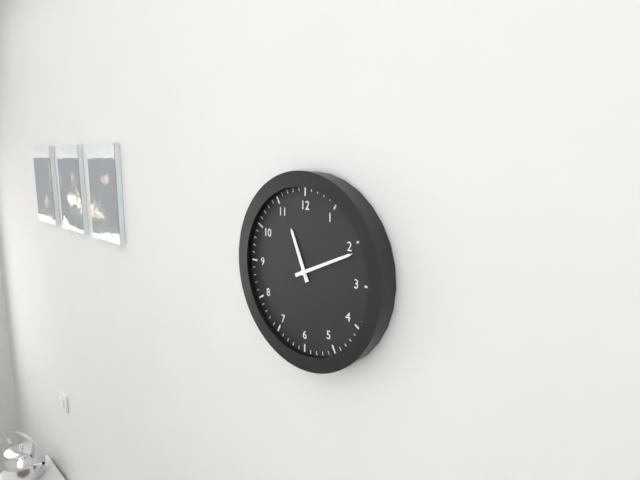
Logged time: 11:11
